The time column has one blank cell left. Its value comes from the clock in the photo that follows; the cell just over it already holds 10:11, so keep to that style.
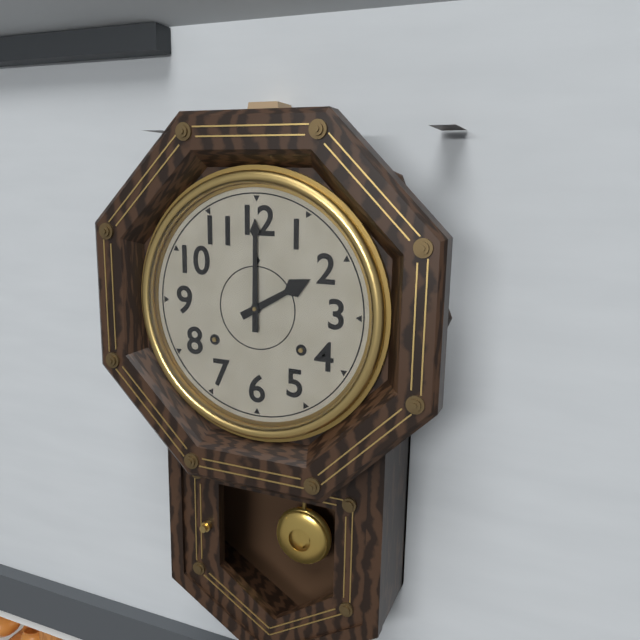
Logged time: 2:00
